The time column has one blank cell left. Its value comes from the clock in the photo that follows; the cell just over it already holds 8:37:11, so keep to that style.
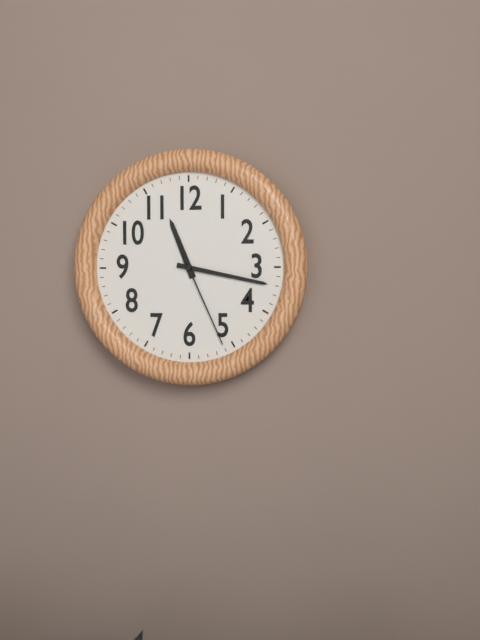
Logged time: 11:17:26
